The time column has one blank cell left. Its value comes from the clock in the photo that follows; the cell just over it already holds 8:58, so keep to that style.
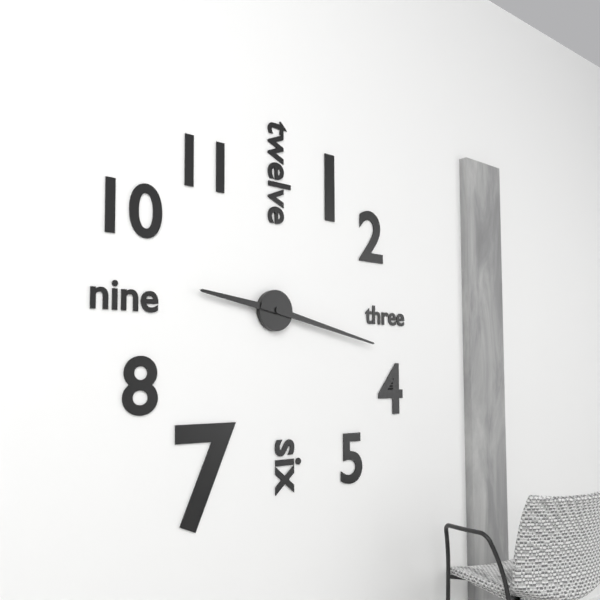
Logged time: 9:17
